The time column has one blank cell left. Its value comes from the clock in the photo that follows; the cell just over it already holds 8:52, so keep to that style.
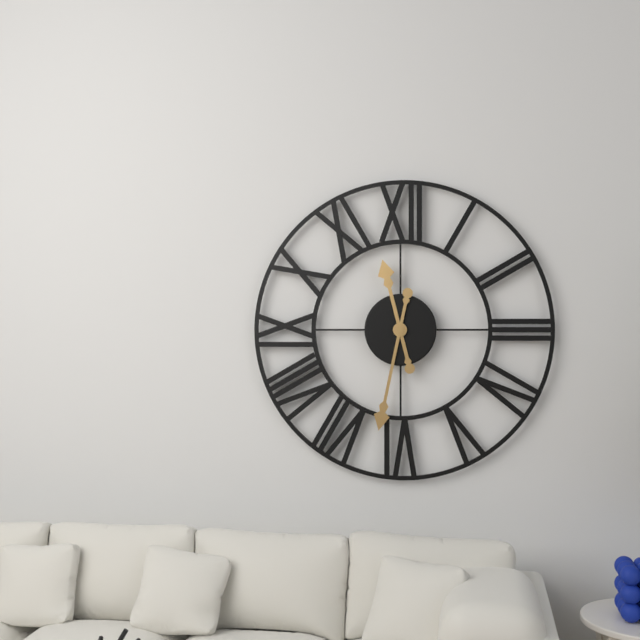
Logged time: 11:32
